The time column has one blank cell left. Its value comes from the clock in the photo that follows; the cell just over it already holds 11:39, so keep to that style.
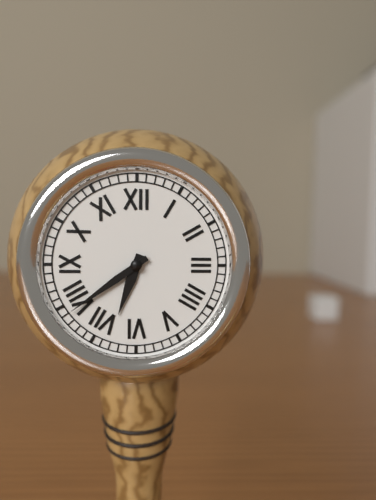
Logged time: 6:39
